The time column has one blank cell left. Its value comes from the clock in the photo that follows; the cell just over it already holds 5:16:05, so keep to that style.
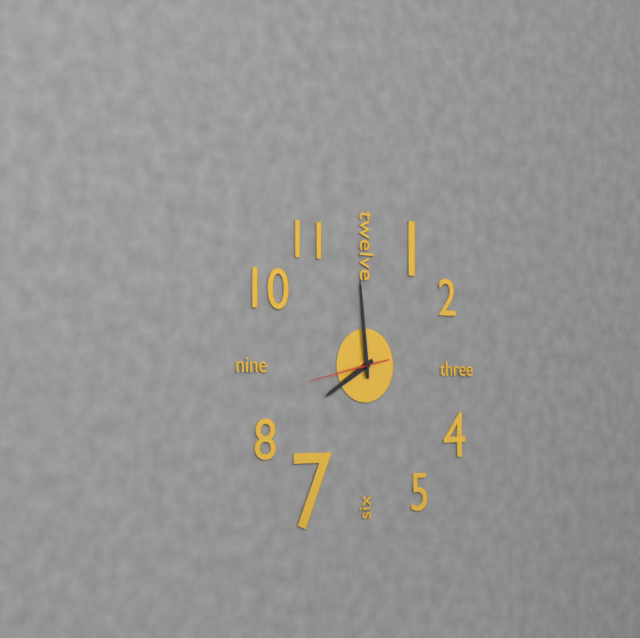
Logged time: 7:59:43
